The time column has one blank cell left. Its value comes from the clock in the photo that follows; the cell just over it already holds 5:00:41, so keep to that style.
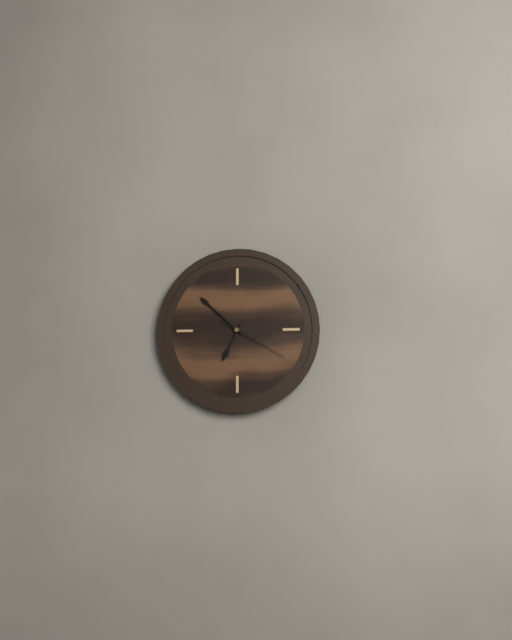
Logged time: 6:52:20
